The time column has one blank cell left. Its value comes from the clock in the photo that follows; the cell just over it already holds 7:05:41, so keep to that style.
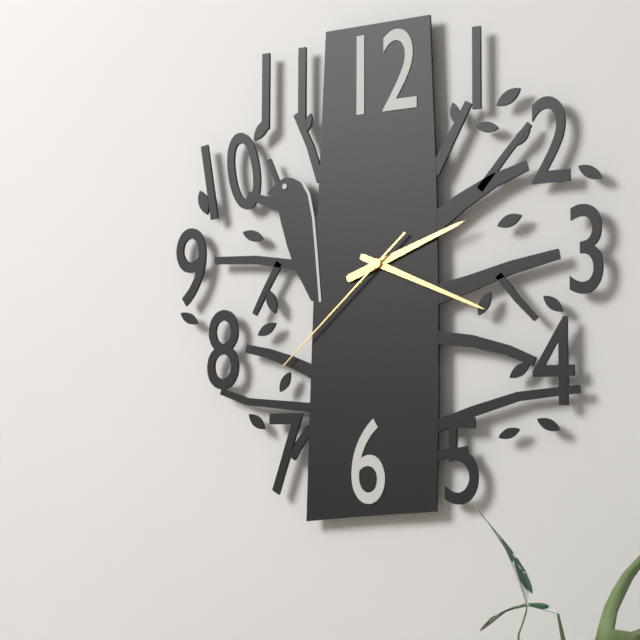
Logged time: 2:19:38
